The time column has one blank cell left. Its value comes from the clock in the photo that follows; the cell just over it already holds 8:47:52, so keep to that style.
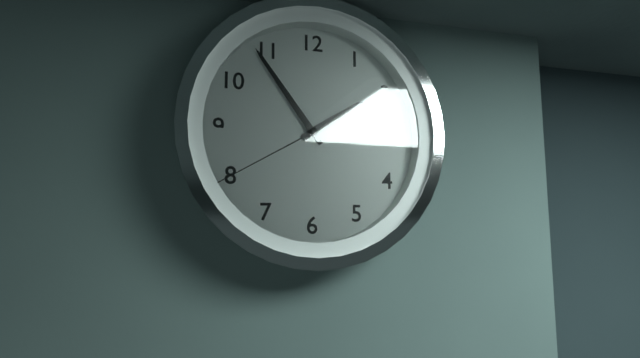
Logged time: 1:54:40
